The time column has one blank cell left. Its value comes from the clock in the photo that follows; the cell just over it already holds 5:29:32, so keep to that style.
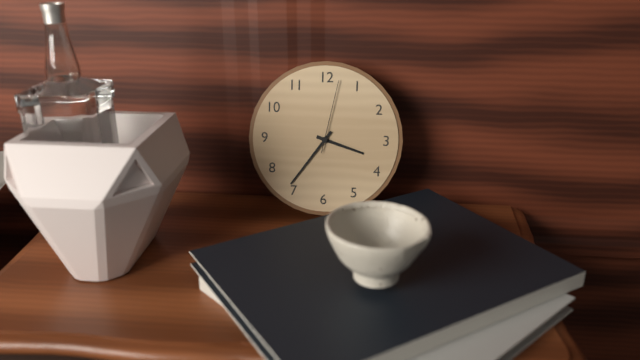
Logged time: 3:36:02
